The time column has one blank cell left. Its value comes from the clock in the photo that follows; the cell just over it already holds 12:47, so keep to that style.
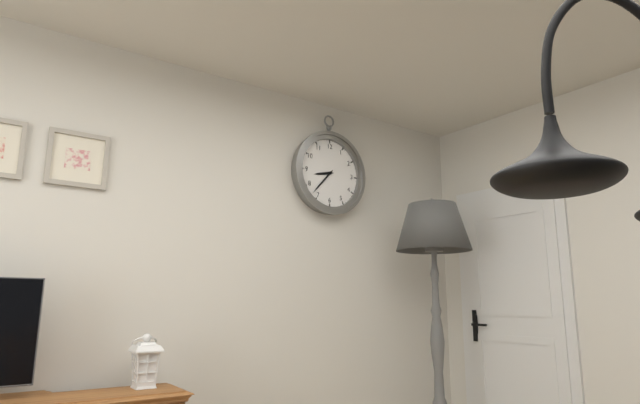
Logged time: 8:37
